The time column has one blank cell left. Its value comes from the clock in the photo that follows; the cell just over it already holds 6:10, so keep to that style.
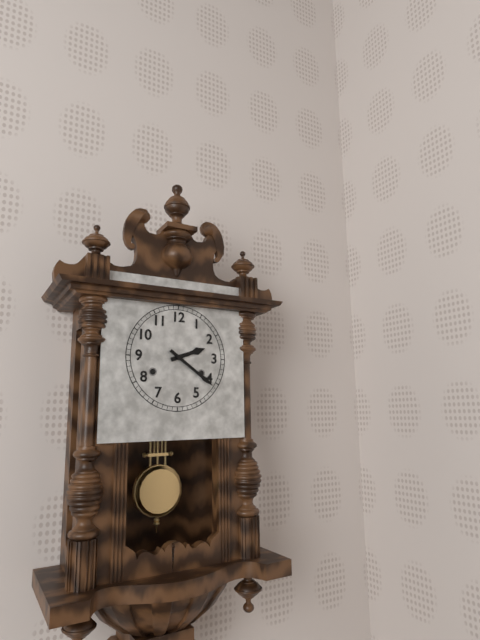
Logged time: 2:21
